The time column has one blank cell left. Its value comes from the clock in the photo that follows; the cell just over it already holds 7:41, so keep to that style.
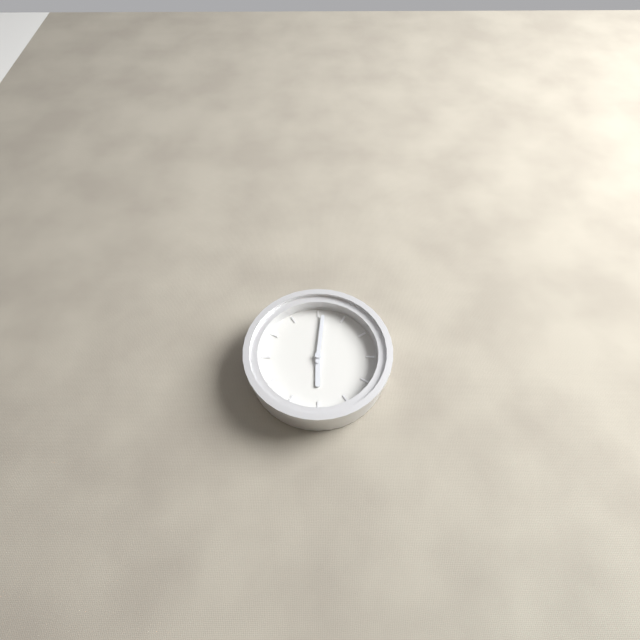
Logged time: 6:01
